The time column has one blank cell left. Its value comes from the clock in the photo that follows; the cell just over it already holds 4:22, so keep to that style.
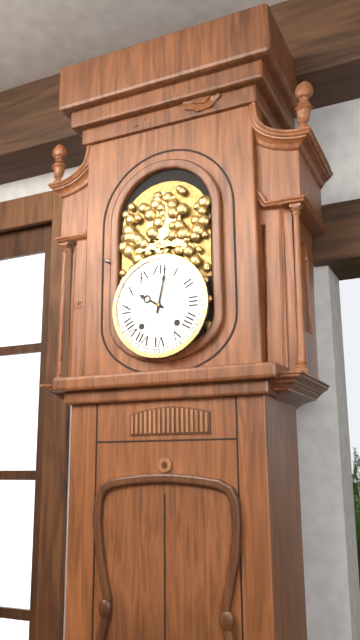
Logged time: 10:02
